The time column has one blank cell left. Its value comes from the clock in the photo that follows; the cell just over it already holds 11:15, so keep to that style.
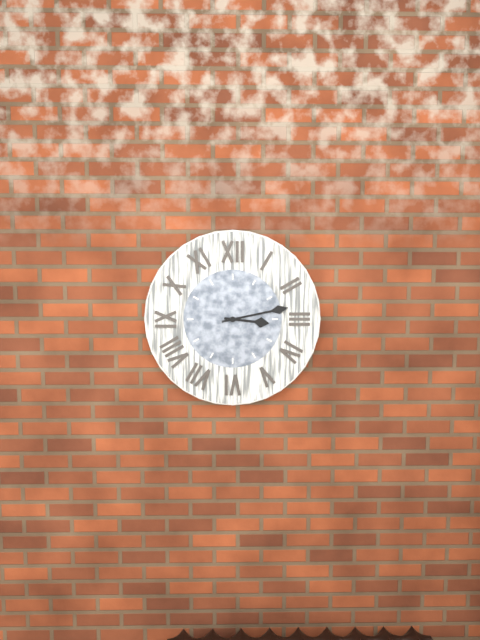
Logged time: 3:13
